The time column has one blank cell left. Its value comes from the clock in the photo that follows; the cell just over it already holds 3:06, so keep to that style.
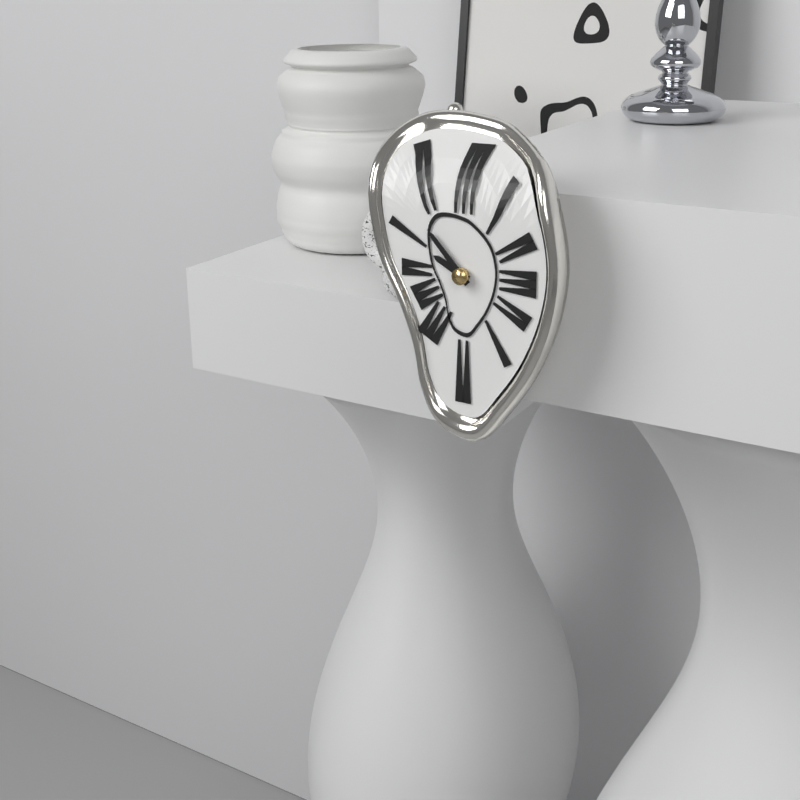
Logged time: 9:53
